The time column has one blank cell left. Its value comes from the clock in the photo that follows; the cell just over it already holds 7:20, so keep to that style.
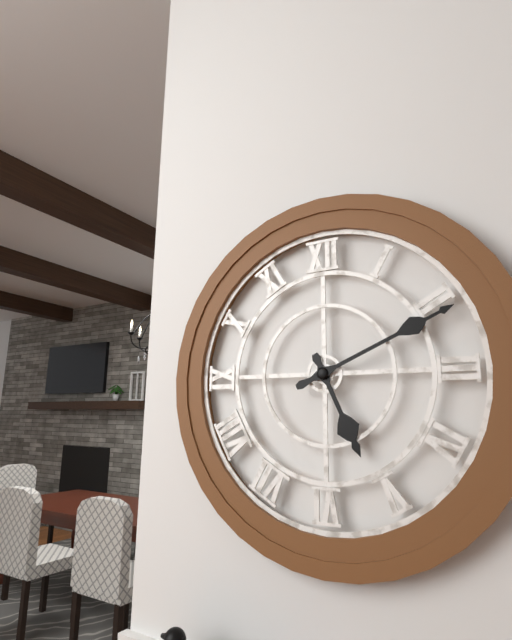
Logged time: 5:11
